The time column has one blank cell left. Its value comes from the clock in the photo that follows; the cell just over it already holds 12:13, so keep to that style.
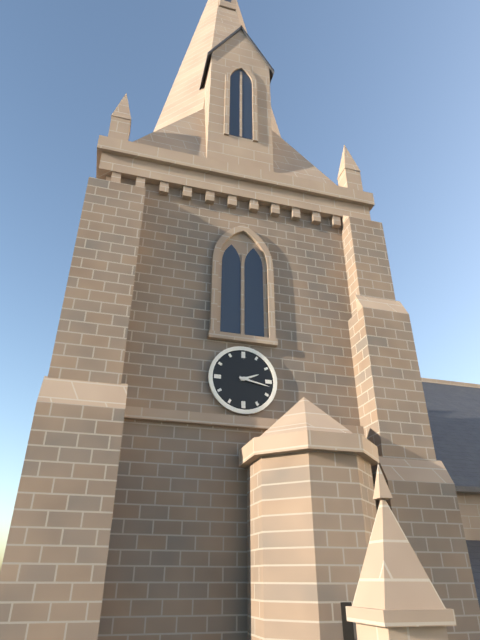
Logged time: 2:17
